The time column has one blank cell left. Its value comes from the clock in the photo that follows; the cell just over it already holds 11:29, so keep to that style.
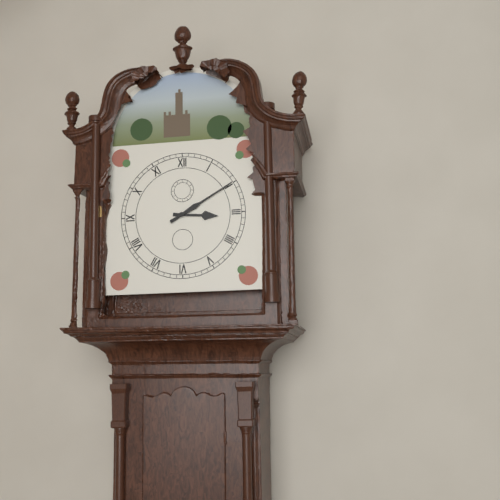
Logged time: 3:10
